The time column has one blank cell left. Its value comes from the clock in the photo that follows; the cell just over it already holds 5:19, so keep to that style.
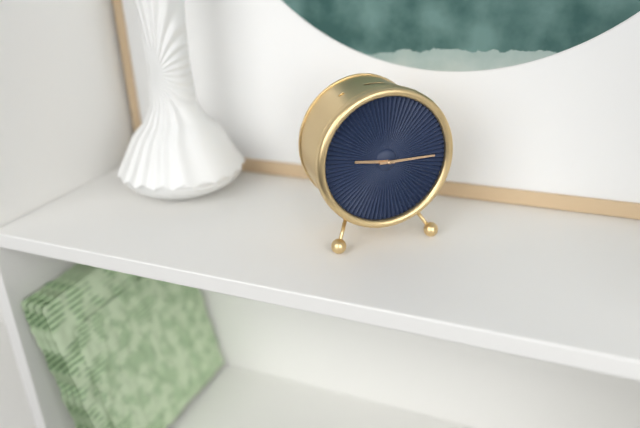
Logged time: 9:15
